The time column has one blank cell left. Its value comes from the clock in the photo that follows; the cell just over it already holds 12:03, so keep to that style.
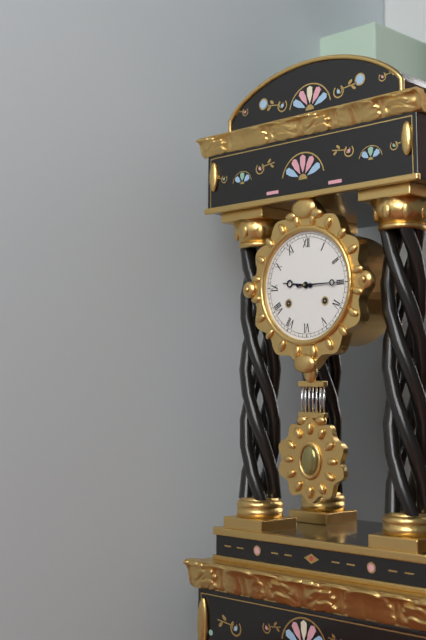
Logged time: 9:15
